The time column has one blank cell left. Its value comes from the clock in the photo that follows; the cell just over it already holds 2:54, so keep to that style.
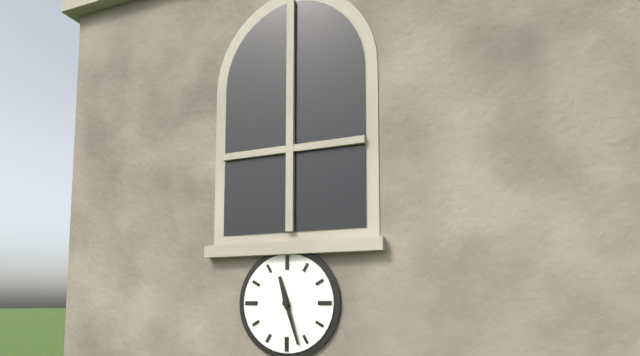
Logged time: 11:27
